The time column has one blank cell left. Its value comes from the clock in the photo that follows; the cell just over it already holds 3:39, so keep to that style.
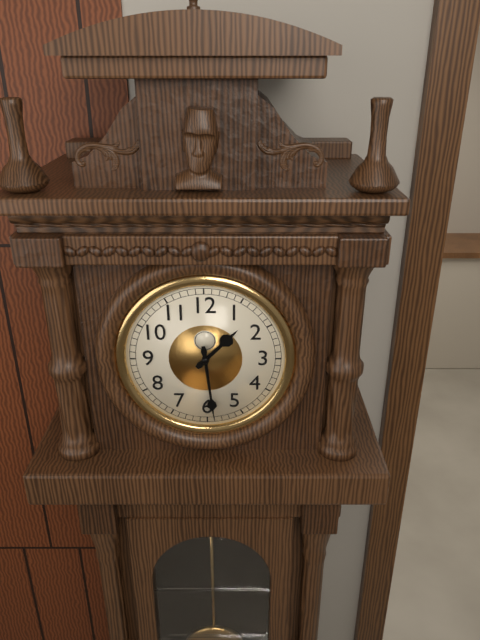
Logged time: 1:29
